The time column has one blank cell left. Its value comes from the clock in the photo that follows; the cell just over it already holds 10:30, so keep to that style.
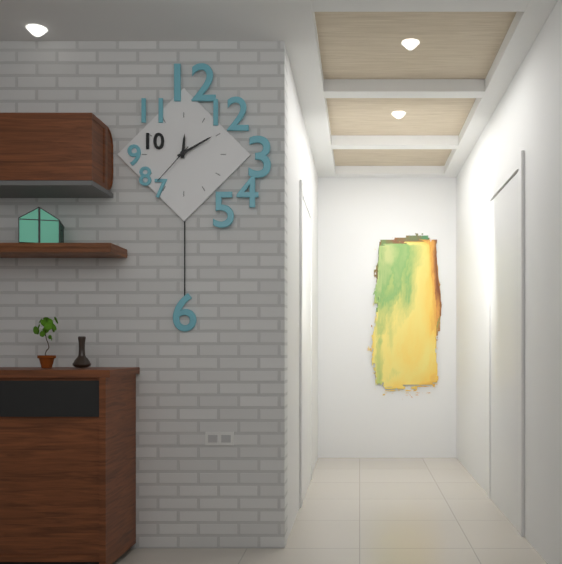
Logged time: 12:10
